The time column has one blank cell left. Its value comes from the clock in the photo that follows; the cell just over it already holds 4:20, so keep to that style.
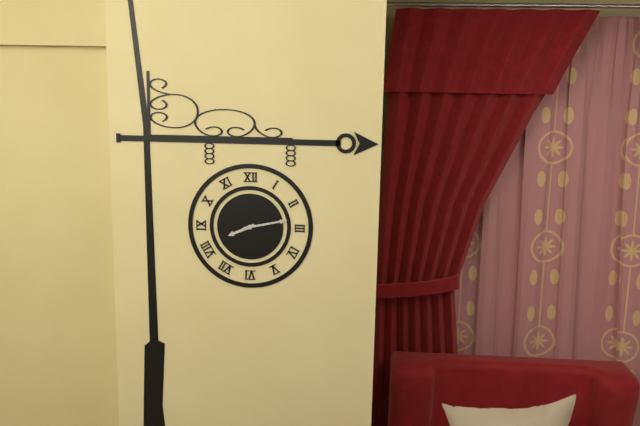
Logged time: 8:13
